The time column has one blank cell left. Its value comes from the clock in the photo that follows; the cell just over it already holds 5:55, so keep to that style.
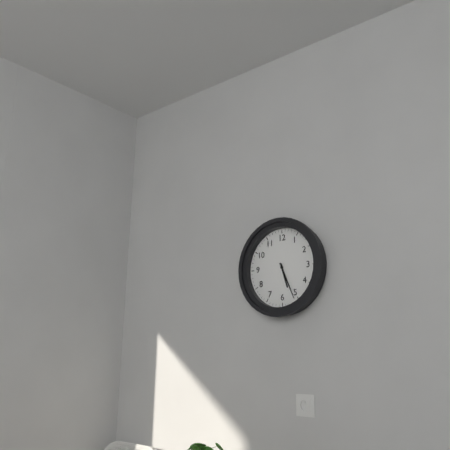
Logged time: 5:26
